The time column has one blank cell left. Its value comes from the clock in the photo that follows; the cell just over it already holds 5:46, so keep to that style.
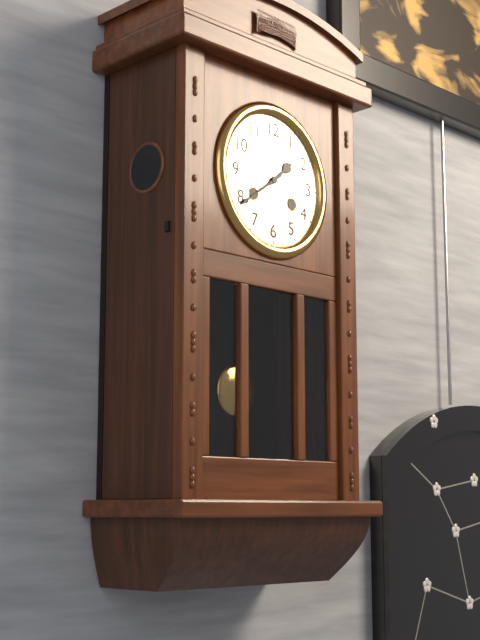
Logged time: 1:39
